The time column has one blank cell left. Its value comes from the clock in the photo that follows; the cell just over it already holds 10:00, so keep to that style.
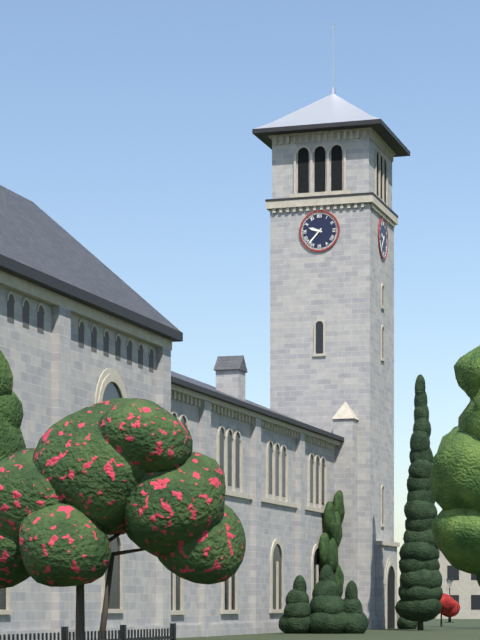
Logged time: 9:37
